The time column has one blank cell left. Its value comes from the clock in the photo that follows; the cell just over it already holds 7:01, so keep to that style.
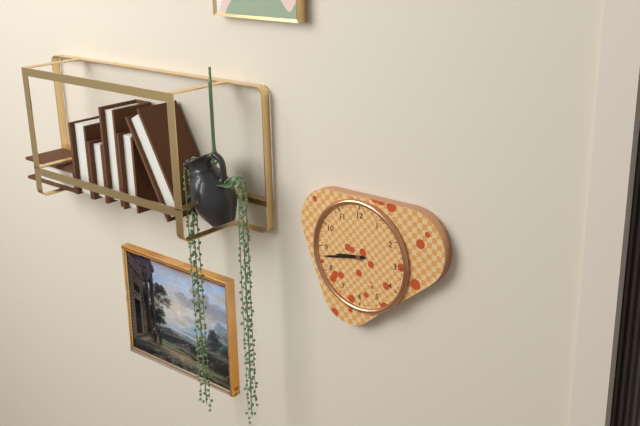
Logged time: 8:43
